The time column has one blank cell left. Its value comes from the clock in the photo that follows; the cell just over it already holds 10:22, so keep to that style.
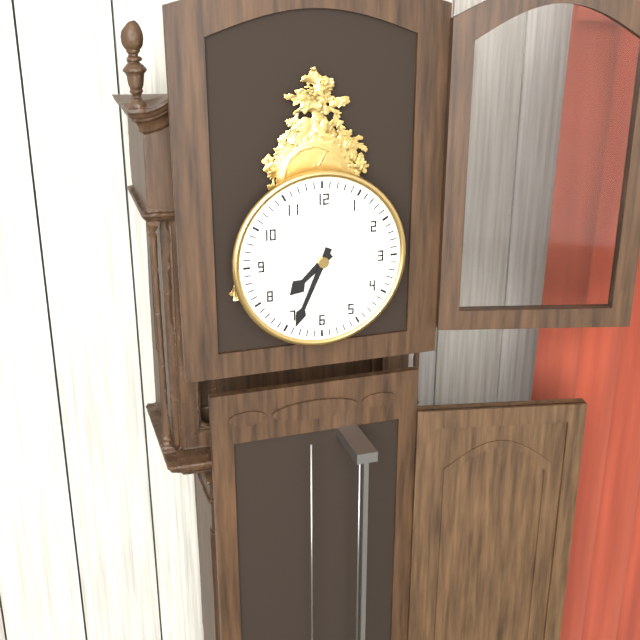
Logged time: 7:34
